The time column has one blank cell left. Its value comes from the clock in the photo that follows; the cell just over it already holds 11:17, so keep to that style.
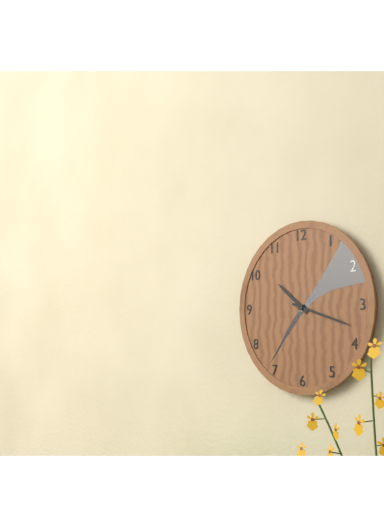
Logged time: 10:18
